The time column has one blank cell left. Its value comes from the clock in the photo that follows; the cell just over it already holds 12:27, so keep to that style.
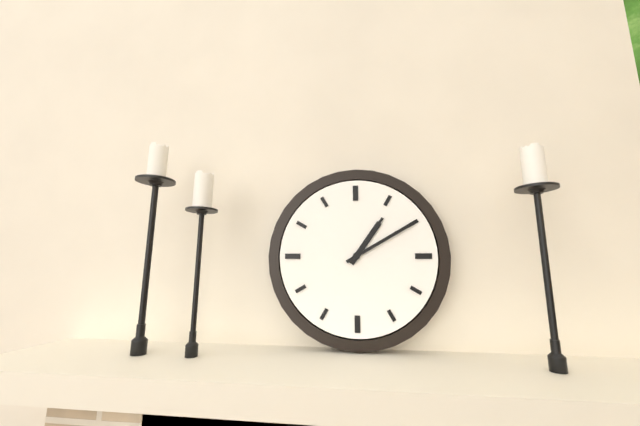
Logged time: 1:10
